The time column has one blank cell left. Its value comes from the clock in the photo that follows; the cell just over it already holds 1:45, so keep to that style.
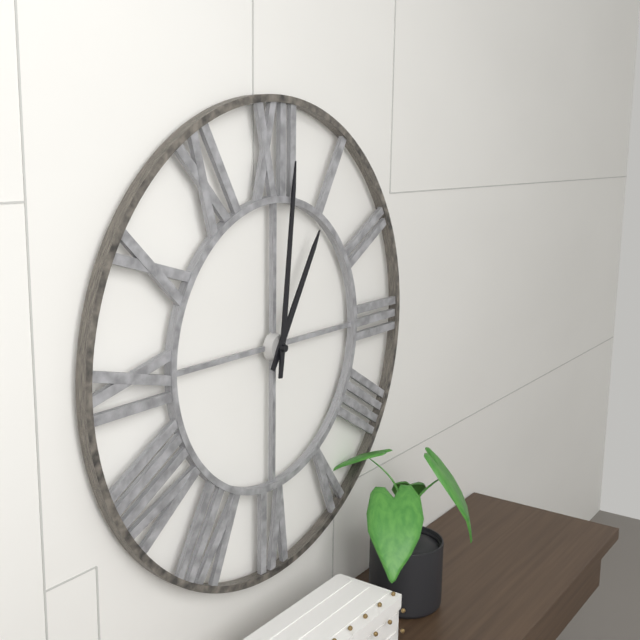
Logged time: 1:01
